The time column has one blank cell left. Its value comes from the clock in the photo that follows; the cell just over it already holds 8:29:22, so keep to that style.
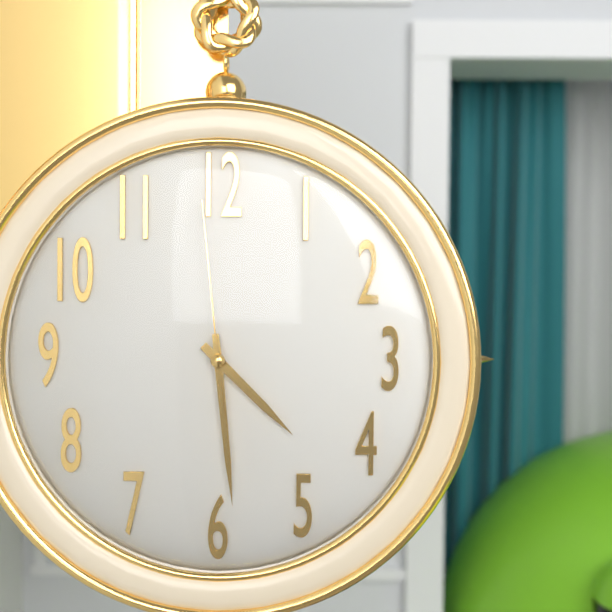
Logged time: 4:29:59
